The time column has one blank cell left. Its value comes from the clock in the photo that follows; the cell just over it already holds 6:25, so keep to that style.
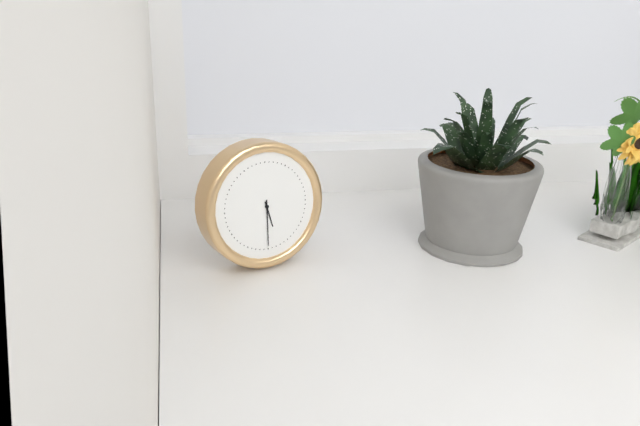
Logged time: 5:30
